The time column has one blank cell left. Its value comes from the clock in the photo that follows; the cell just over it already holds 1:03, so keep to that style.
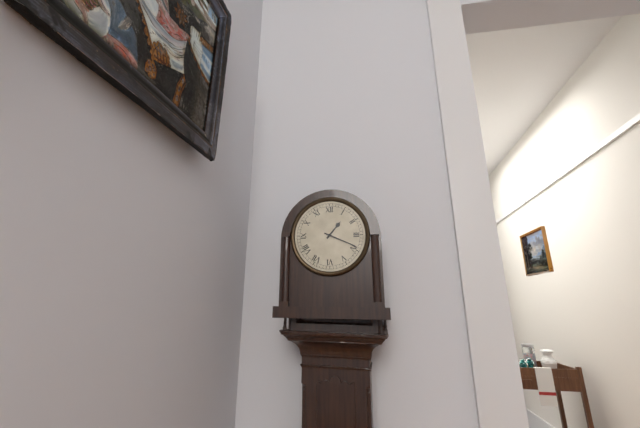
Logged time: 1:19
